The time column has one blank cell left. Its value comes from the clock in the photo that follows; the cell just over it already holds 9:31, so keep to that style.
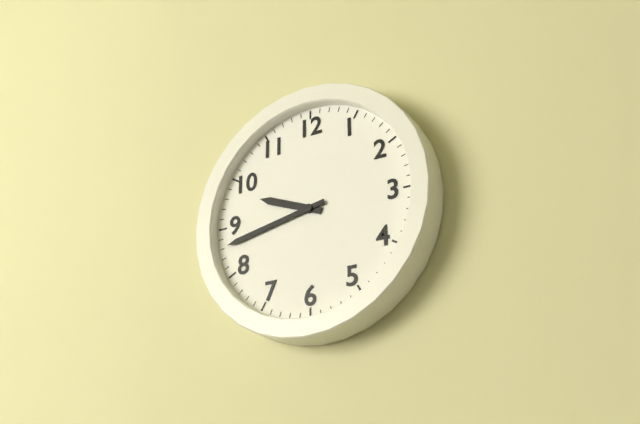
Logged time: 9:43
